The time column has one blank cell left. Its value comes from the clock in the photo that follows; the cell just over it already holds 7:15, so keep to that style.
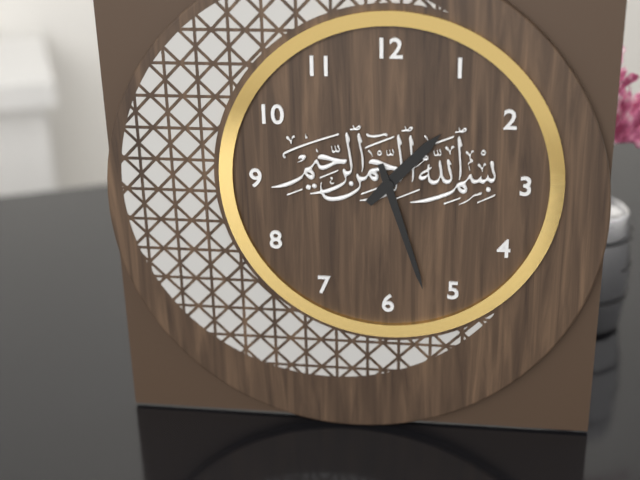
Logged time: 1:27
